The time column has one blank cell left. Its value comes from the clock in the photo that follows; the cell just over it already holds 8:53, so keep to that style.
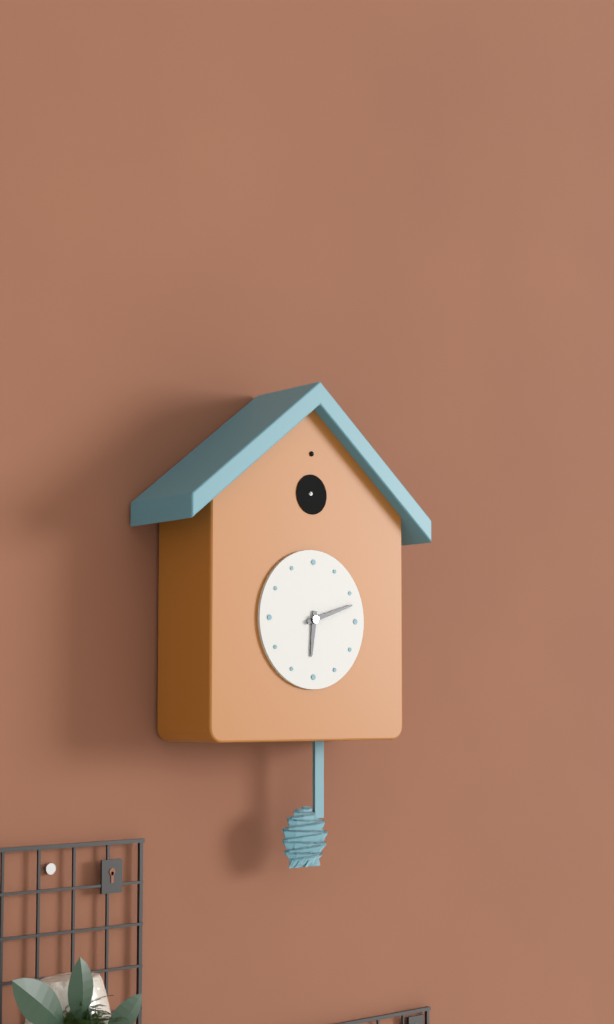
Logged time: 6:12
